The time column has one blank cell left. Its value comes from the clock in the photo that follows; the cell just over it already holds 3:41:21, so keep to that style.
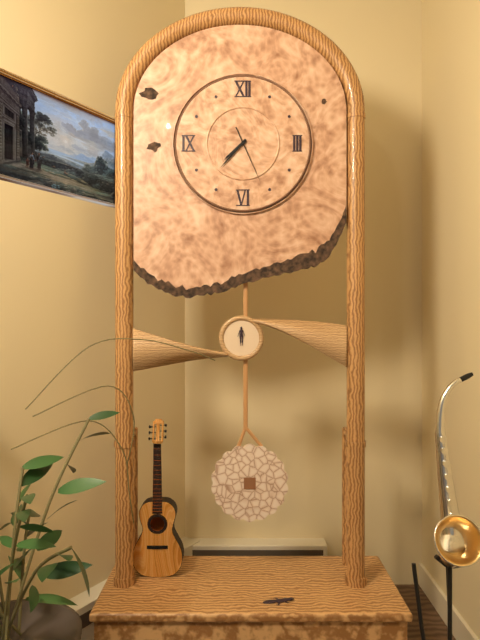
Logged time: 7:37:26
